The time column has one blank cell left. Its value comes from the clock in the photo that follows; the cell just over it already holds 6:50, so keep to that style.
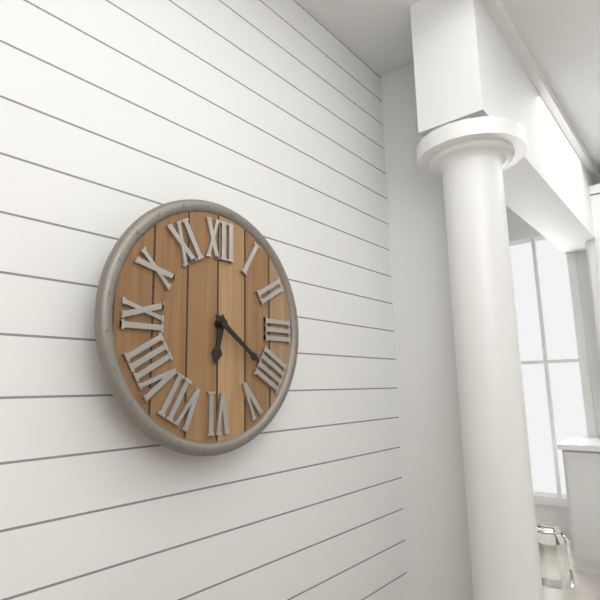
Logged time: 6:21
